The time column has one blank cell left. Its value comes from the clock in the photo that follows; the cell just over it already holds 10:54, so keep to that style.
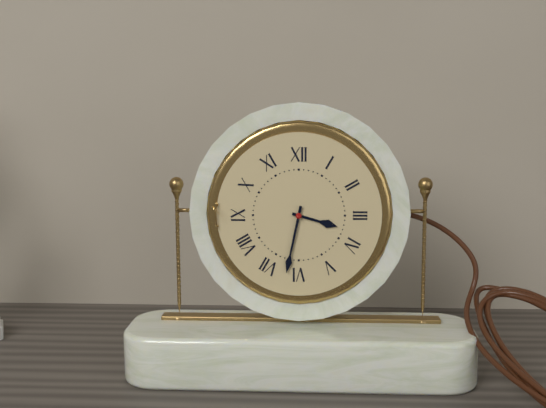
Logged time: 3:32
